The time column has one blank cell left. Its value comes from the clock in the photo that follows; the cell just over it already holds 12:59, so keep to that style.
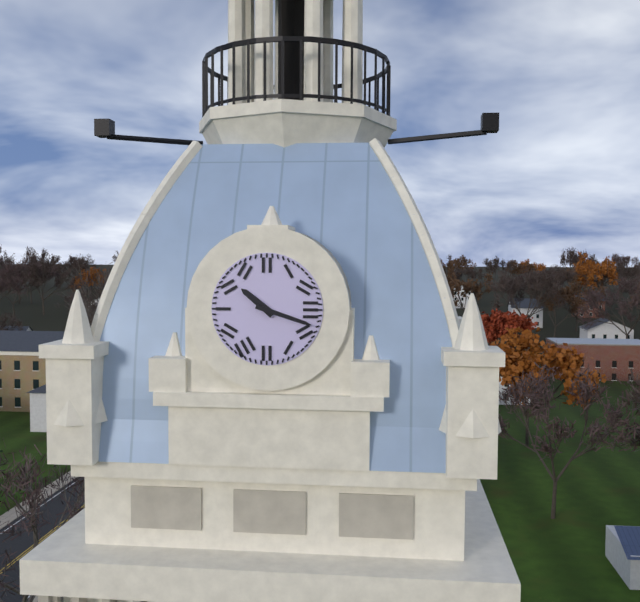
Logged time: 10:18
